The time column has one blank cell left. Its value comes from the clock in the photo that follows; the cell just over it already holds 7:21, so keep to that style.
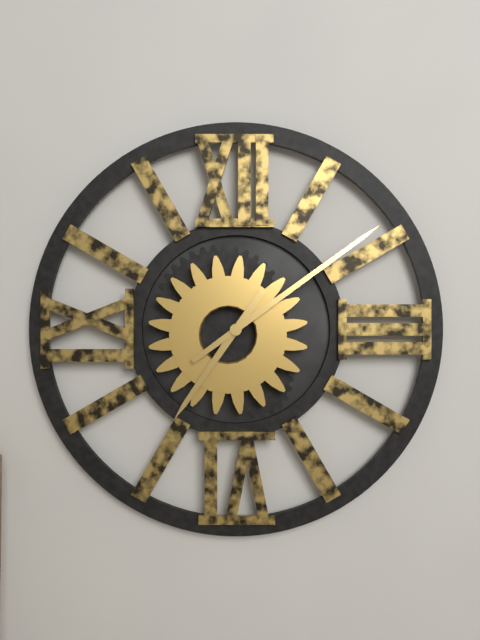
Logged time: 7:09
